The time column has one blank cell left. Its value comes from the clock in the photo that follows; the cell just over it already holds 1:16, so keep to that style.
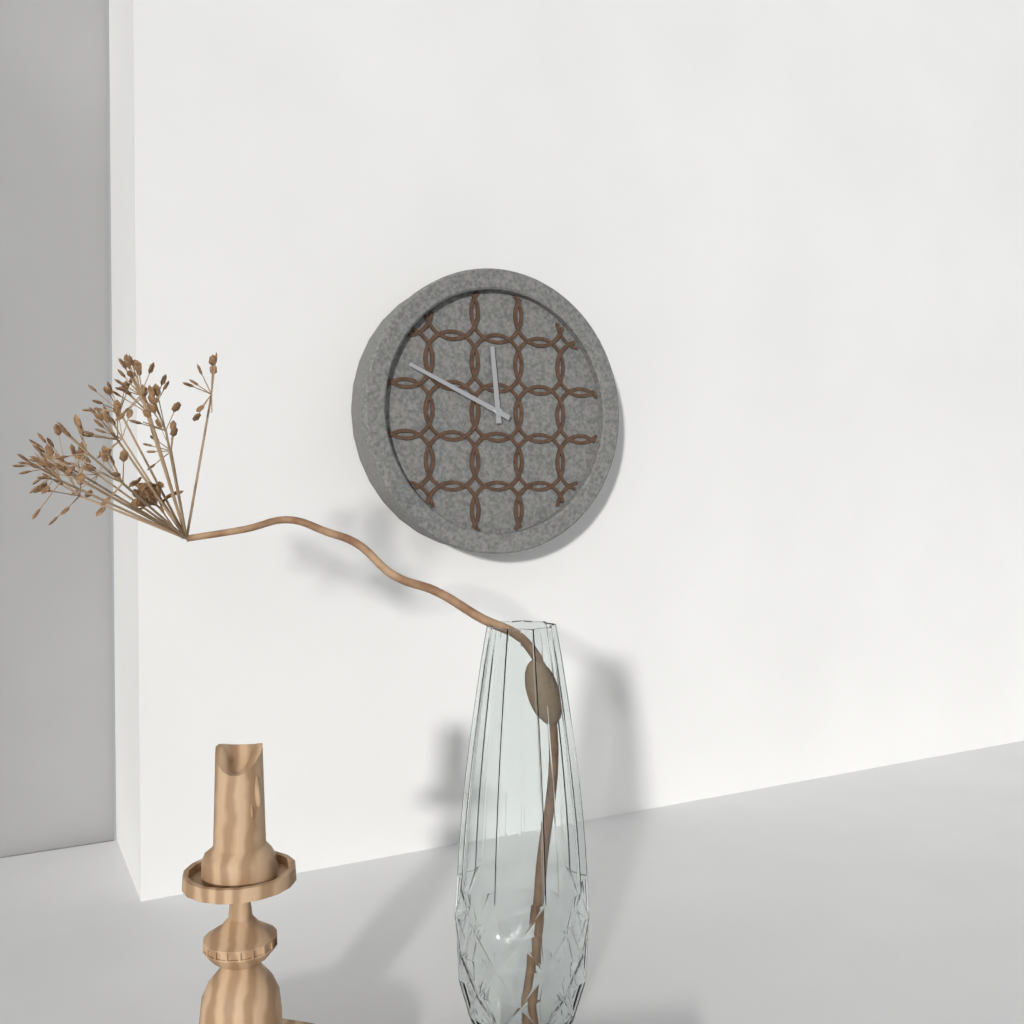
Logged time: 11:49
